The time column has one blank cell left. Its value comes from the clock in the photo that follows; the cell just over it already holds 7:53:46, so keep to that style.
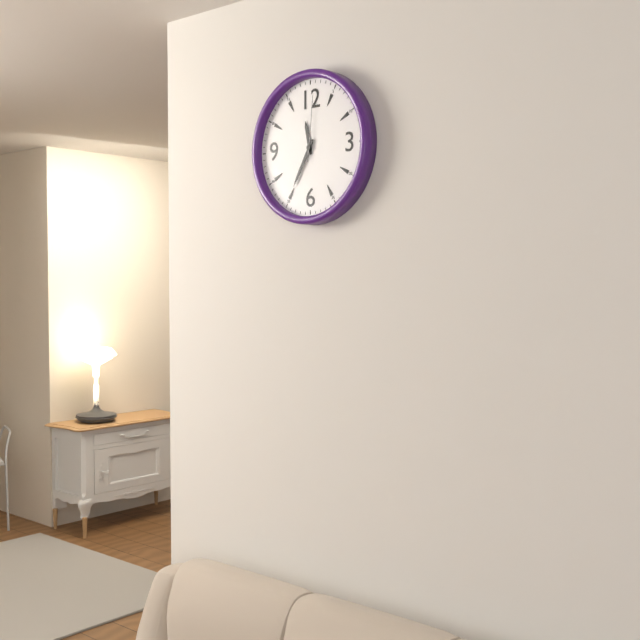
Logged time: 11:35:01
